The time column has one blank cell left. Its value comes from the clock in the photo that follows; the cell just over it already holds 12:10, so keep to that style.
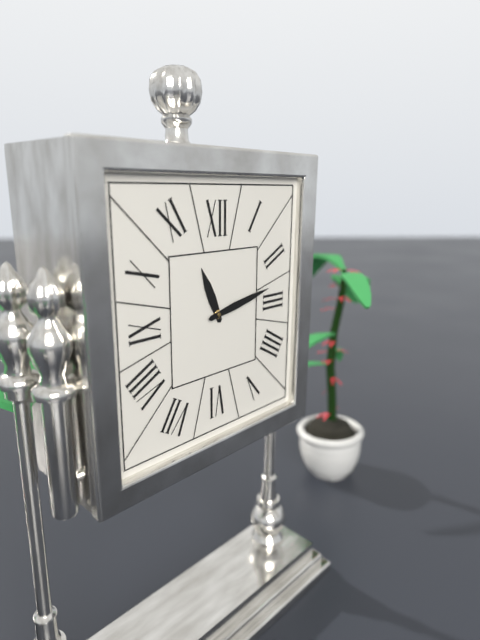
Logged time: 11:13
